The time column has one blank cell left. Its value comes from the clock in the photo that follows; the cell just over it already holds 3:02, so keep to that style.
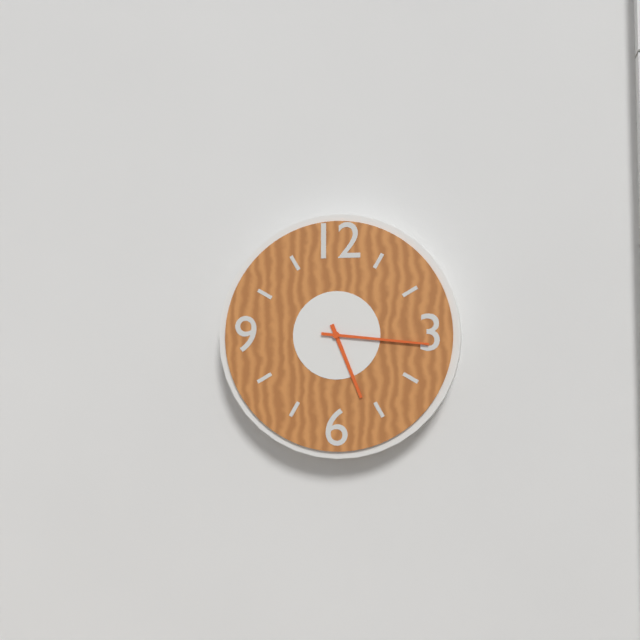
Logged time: 5:16
